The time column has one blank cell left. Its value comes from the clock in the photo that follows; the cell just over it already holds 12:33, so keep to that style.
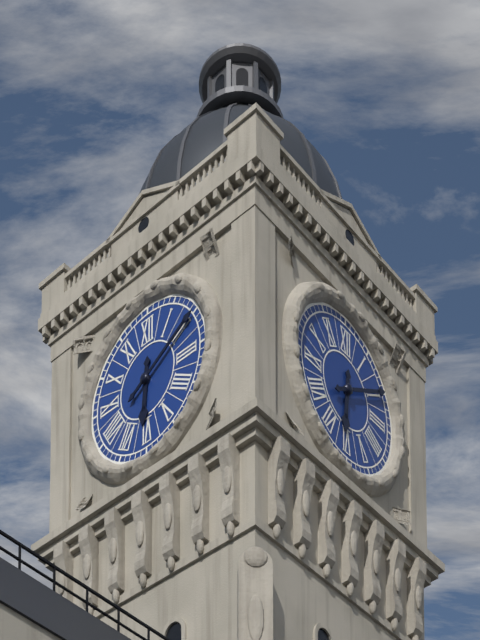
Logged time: 6:10
